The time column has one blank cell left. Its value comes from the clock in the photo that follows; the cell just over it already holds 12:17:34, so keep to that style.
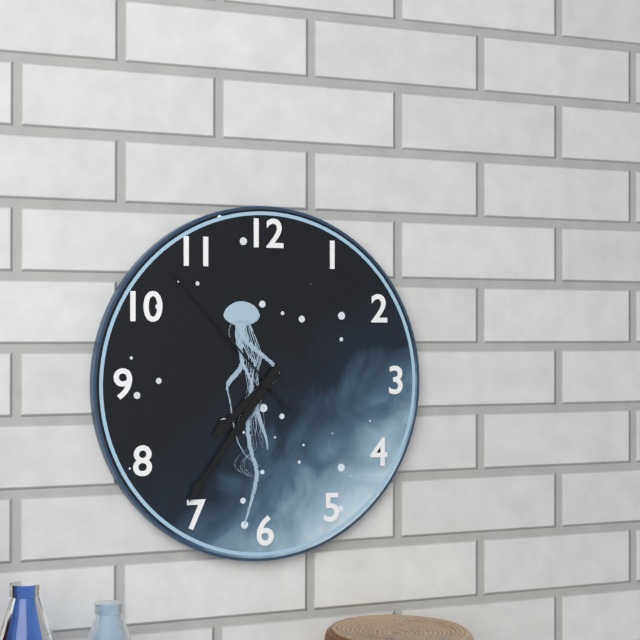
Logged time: 7:36:53
